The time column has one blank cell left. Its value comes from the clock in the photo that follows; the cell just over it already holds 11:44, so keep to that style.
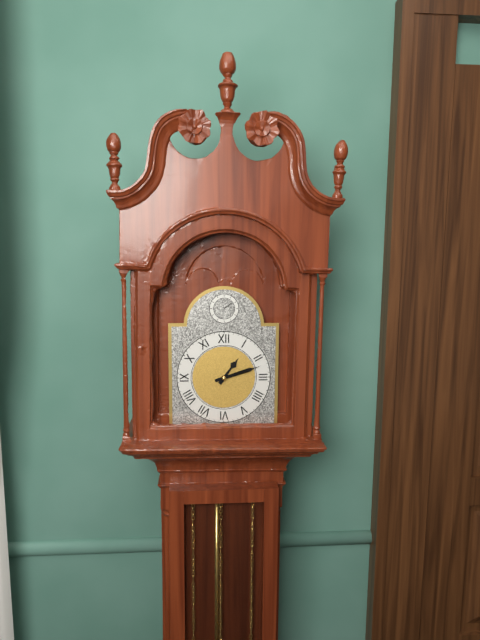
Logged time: 1:12
